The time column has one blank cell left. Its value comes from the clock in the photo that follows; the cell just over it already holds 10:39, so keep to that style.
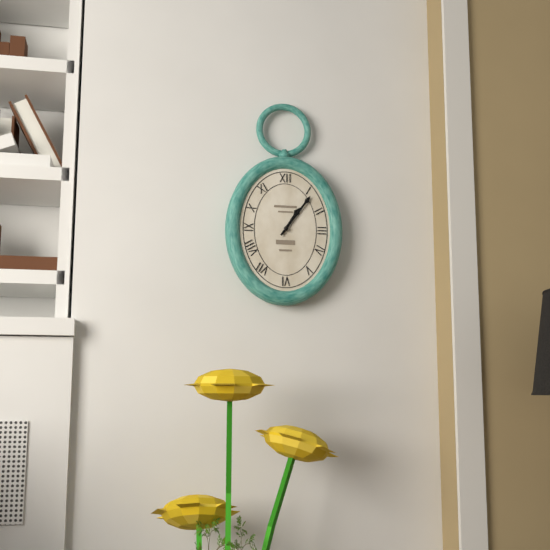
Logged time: 1:06
